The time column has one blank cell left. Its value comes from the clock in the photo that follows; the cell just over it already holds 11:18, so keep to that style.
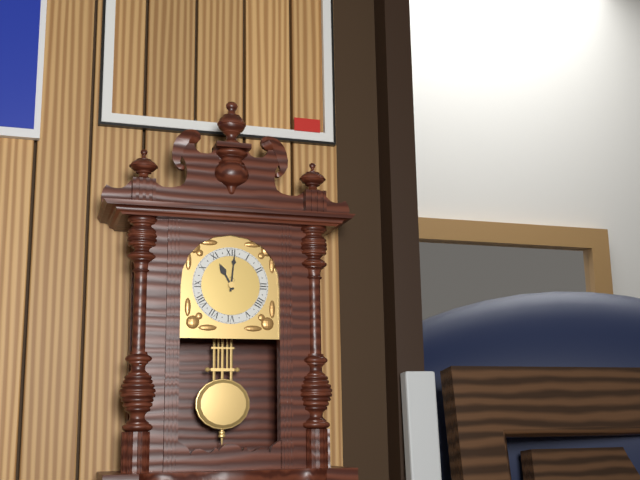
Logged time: 11:01
